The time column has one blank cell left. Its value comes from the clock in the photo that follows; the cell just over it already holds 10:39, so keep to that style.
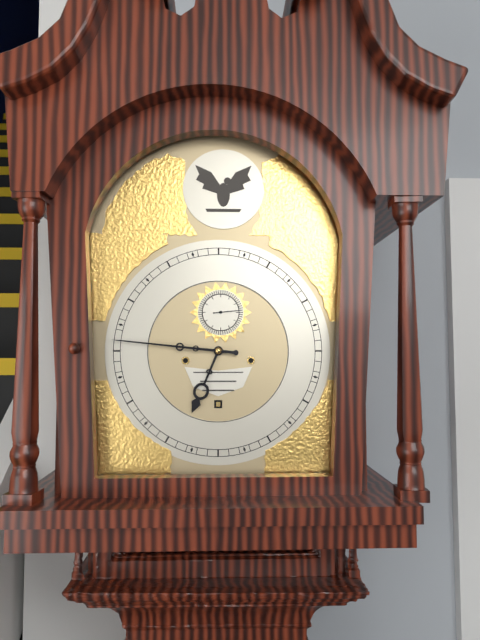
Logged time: 6:46
